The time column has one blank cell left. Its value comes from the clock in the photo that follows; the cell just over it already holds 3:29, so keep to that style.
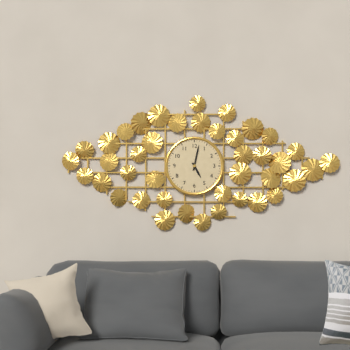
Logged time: 5:02
